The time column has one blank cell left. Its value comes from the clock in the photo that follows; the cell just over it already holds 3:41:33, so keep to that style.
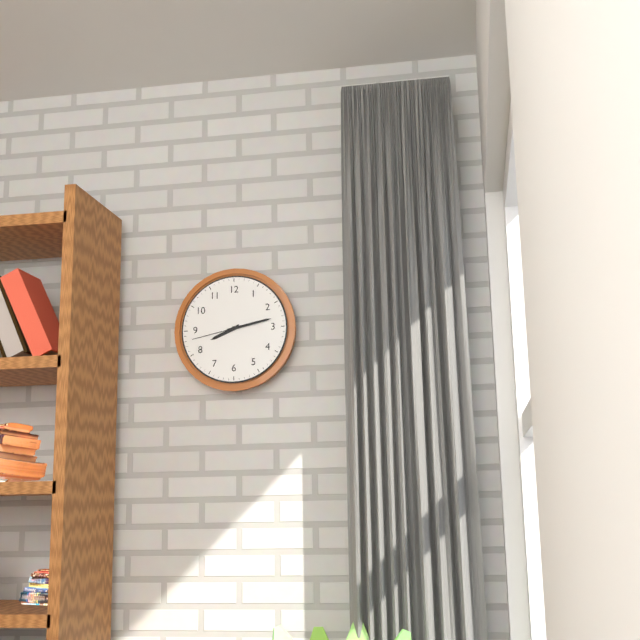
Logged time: 8:13:43
